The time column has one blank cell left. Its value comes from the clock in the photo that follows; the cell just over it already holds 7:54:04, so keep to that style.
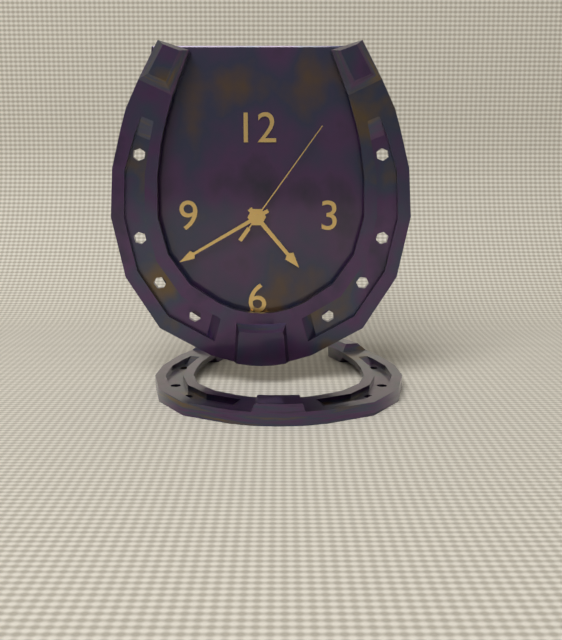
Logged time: 4:40:06
